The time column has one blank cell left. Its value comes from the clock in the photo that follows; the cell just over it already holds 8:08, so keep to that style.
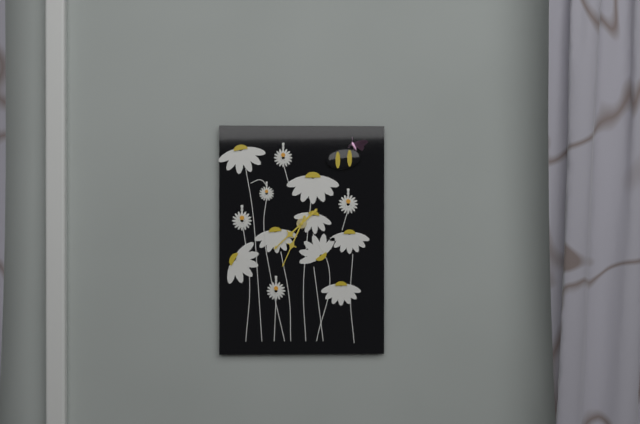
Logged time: 7:34
